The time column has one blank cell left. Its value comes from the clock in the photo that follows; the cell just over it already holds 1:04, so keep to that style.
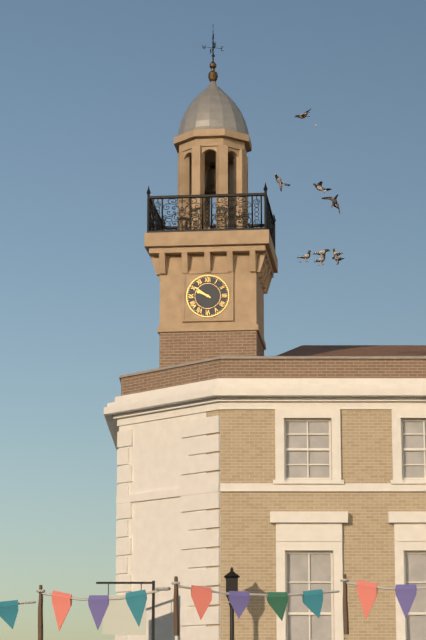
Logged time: 9:51
